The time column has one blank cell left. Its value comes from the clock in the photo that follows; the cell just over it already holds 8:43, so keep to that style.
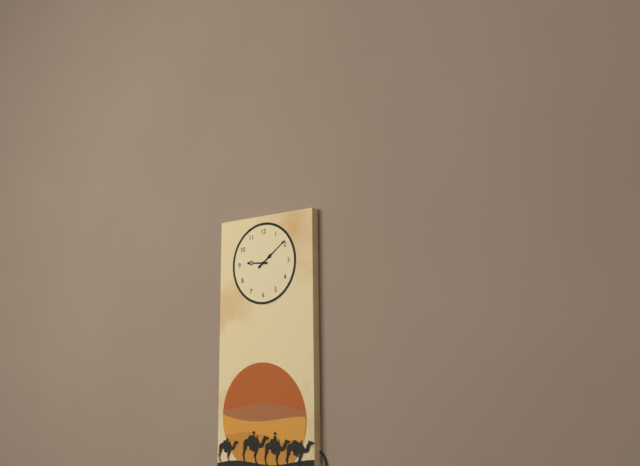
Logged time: 9:09
